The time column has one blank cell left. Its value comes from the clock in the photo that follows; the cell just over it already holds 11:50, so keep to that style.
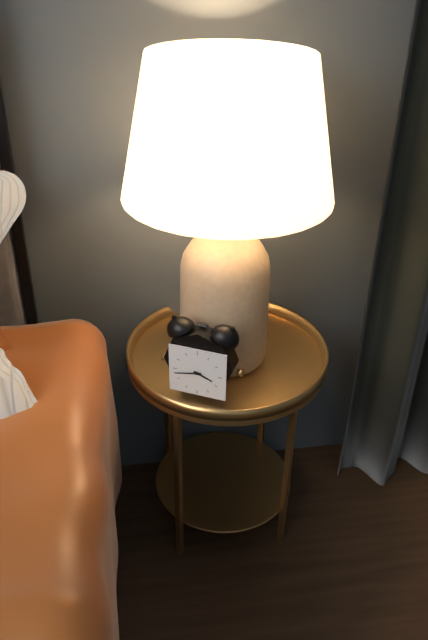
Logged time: 3:43
